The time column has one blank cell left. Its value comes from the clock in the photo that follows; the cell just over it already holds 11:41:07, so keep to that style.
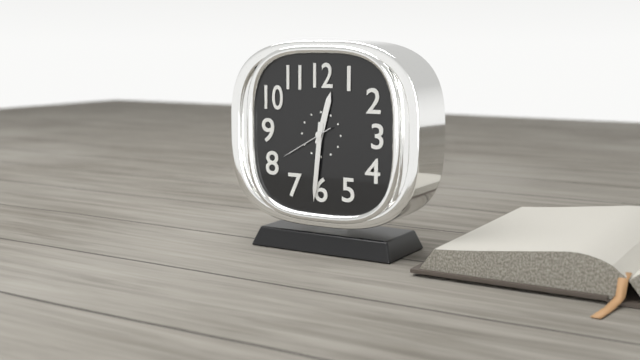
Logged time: 12:31:40
